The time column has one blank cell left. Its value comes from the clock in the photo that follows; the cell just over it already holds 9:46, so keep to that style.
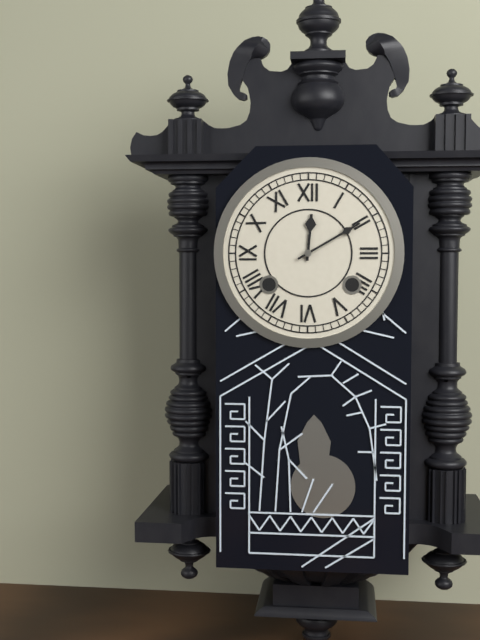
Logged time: 12:10
